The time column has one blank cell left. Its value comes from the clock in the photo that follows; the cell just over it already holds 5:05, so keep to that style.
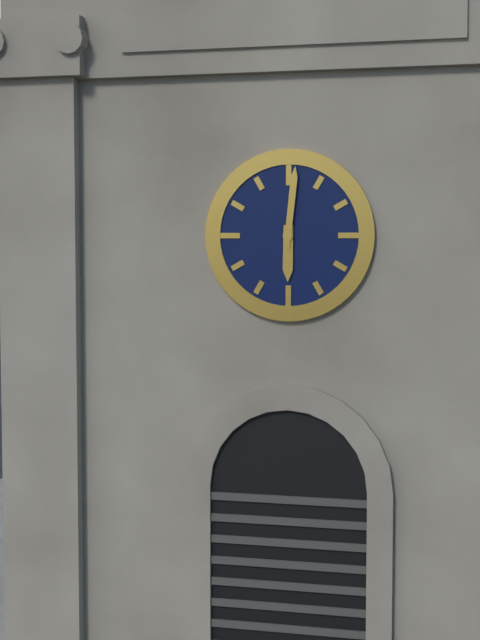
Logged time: 6:01
